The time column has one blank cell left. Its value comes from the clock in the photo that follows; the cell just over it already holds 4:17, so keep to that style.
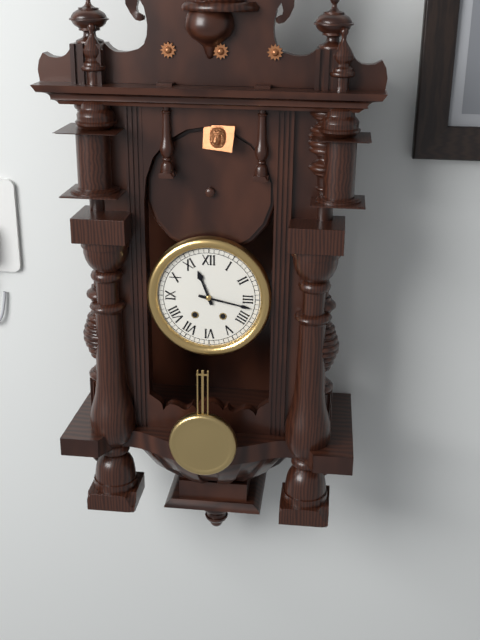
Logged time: 11:17
